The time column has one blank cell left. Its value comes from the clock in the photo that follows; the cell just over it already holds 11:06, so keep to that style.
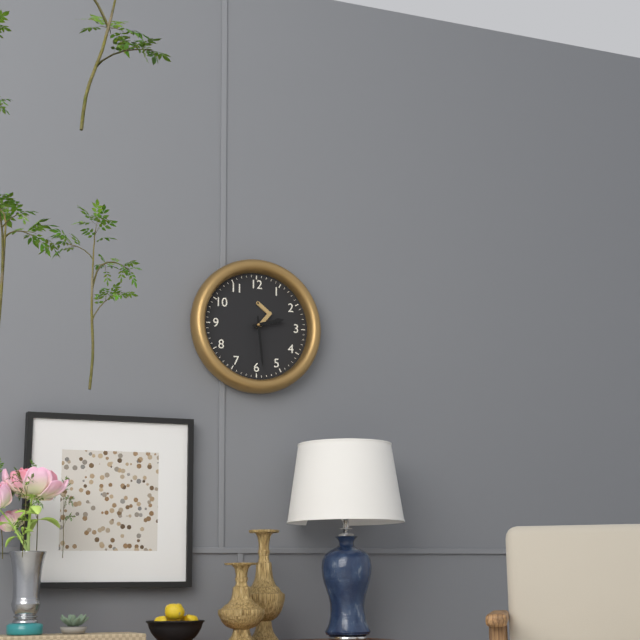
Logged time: 2:29
